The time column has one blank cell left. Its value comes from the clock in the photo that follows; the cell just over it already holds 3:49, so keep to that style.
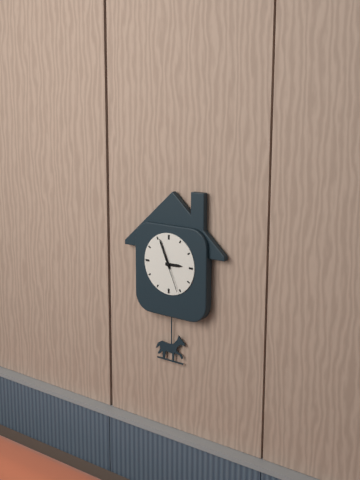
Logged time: 2:56
